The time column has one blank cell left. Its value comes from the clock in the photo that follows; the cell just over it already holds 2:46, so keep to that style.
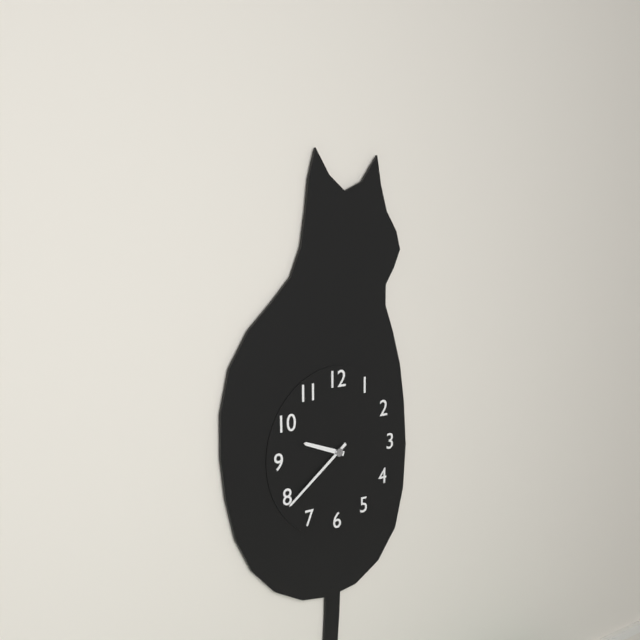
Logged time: 9:39
